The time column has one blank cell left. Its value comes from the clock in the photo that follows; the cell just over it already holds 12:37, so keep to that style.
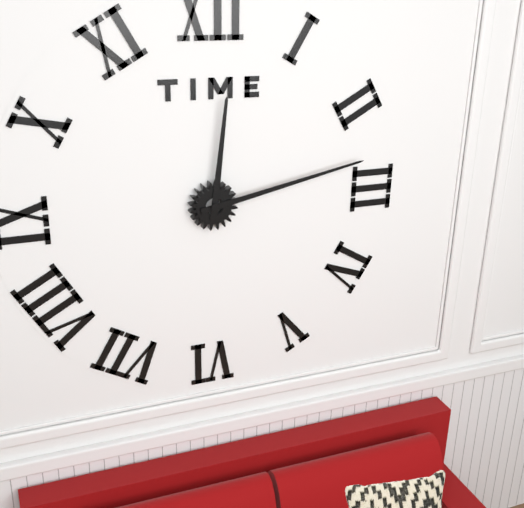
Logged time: 12:13
